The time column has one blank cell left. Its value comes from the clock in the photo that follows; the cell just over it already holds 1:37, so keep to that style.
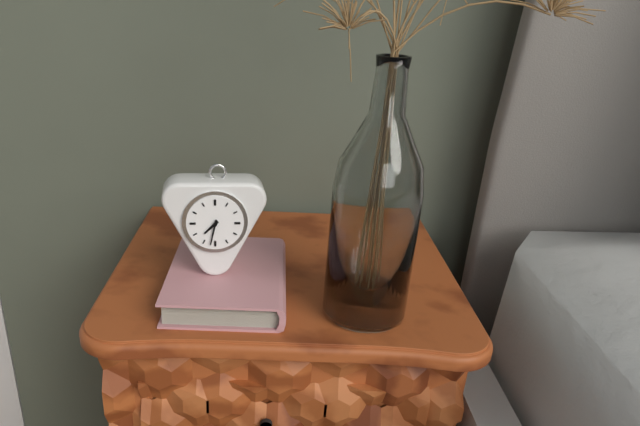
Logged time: 7:32
